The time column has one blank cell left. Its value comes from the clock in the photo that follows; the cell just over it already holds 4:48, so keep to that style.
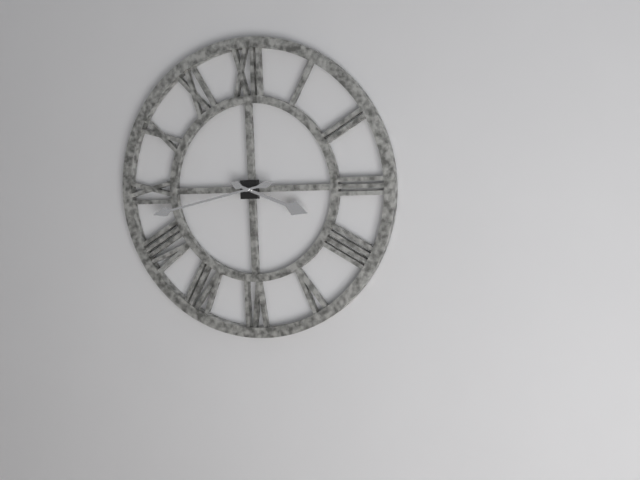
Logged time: 3:43
